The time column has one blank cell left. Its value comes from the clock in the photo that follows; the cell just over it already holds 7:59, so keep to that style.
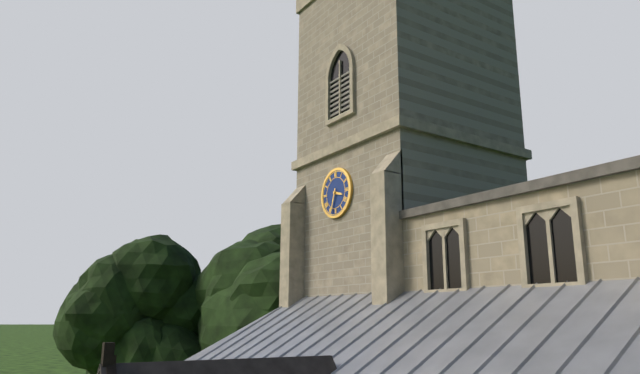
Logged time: 3:33
